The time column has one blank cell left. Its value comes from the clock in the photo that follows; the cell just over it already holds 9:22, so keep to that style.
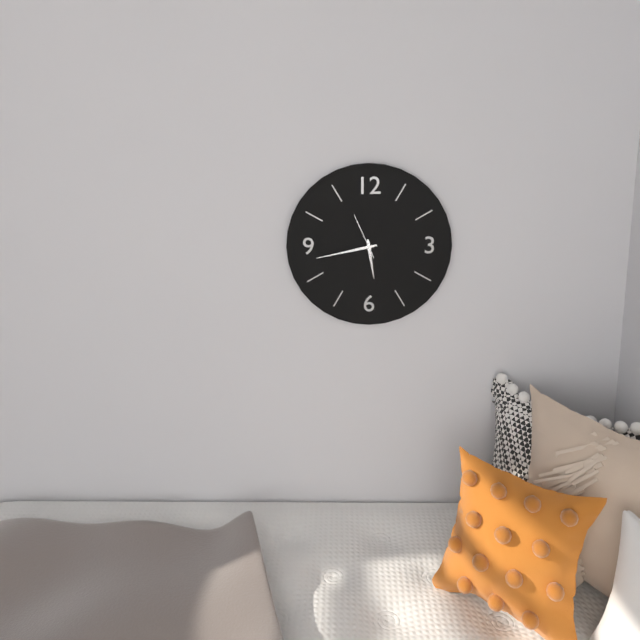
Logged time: 5:43
